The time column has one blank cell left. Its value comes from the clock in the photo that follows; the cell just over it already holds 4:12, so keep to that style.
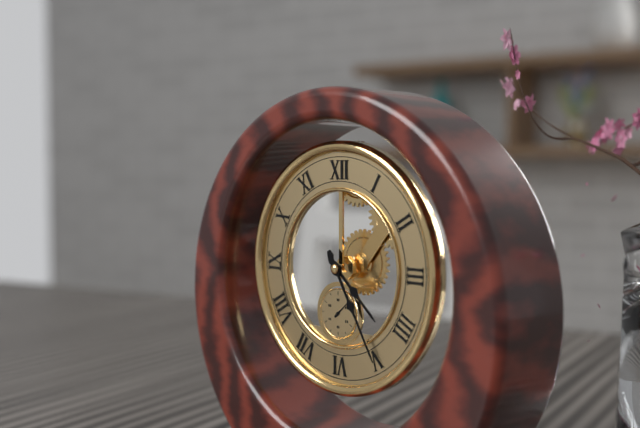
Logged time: 4:25
